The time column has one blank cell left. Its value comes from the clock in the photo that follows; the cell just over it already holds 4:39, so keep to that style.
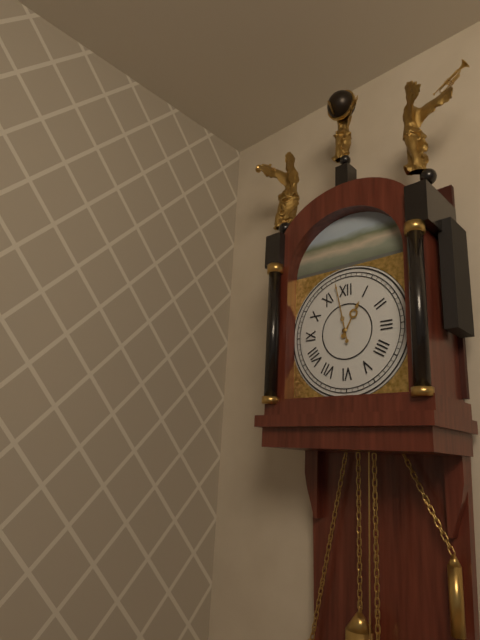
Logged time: 12:58
